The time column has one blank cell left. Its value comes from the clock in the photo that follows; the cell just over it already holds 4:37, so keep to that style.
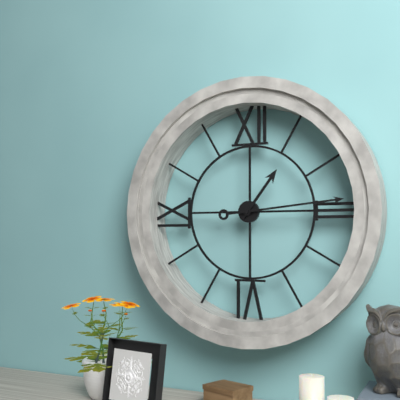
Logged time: 1:14
